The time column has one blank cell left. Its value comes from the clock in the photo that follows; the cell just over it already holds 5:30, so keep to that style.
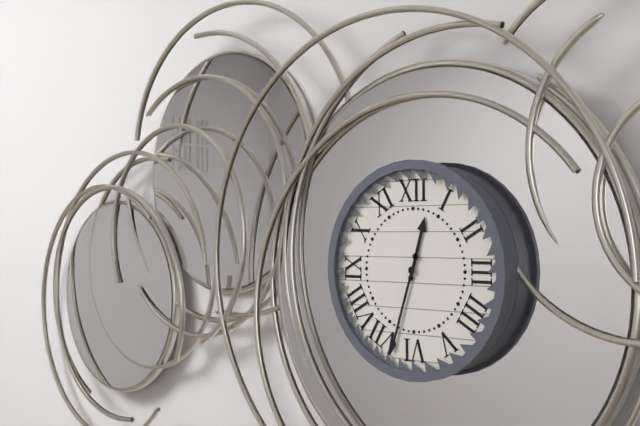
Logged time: 12:33
